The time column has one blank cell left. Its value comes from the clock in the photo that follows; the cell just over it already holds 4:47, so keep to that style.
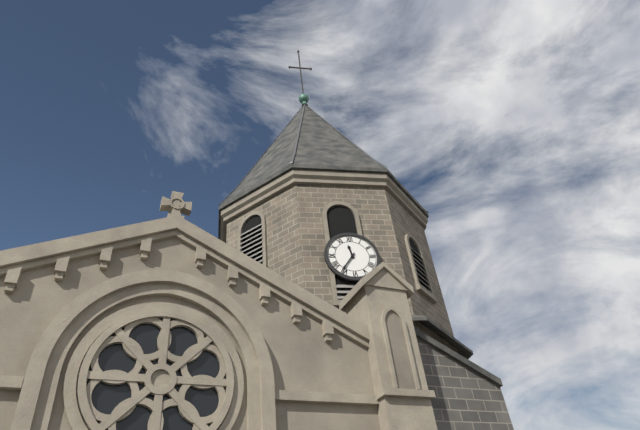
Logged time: 11:36
